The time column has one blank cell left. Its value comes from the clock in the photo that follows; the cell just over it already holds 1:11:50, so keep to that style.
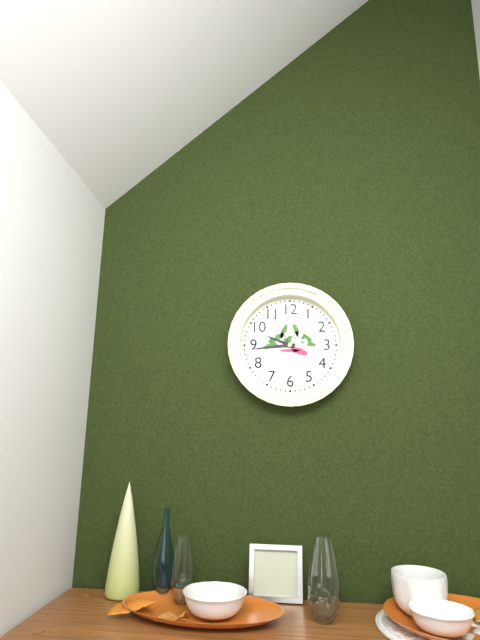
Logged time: 9:44:55
